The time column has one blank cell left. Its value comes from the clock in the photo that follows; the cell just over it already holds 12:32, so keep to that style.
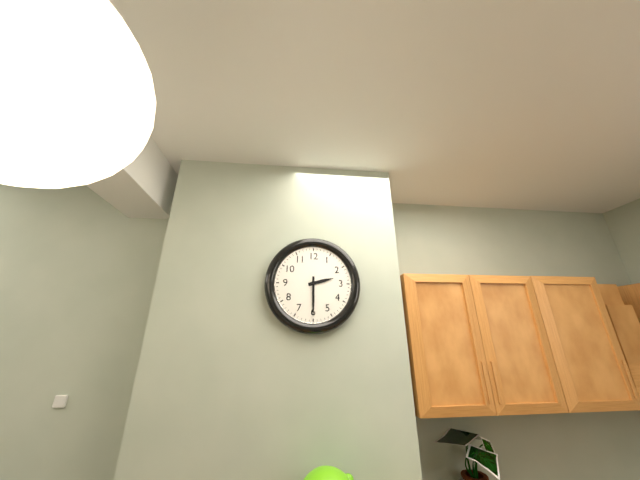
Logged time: 2:30
